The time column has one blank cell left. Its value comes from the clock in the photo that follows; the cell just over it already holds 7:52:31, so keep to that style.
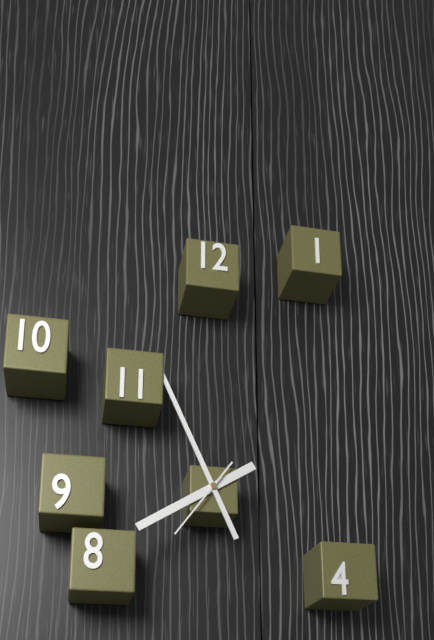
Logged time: 7:56:36
